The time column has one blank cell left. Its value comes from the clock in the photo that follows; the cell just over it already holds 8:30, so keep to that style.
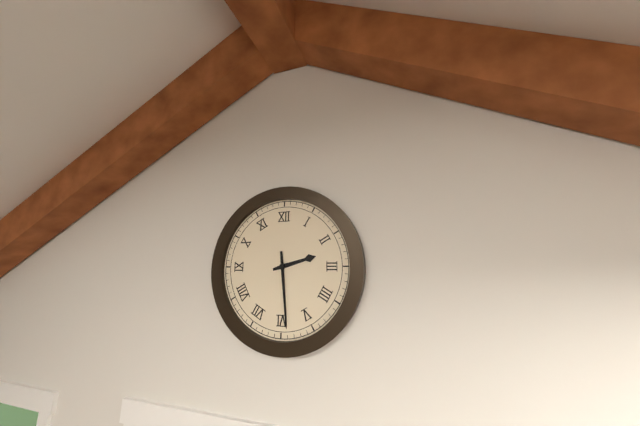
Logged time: 2:29
